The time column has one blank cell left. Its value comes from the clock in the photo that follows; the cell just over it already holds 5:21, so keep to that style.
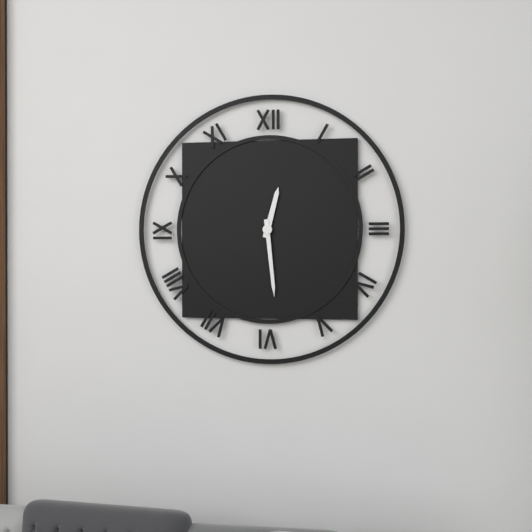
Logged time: 12:29
